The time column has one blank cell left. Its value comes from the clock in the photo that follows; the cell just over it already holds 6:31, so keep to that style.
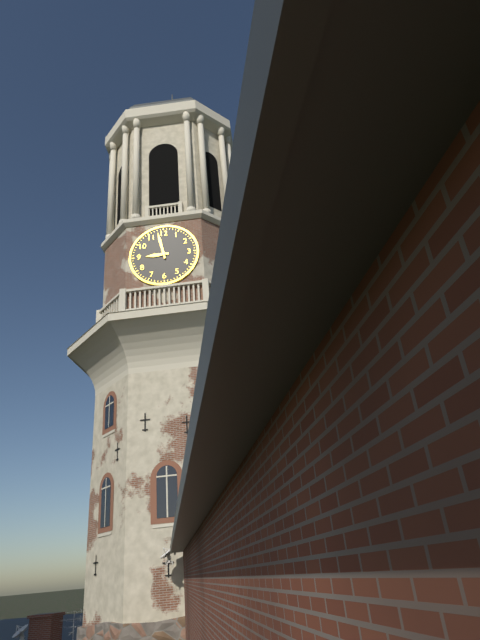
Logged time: 8:58
